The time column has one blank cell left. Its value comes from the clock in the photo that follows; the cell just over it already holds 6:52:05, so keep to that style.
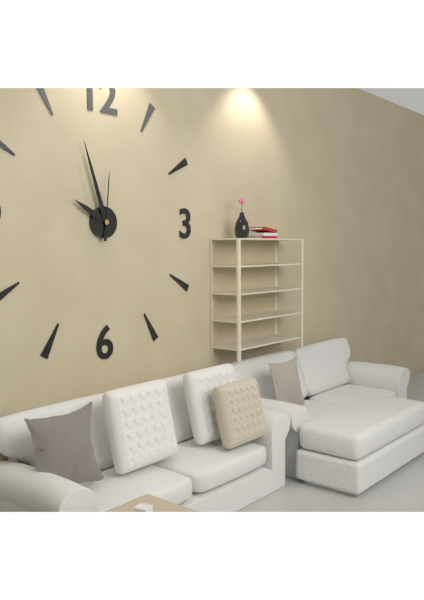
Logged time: 9:57:01
